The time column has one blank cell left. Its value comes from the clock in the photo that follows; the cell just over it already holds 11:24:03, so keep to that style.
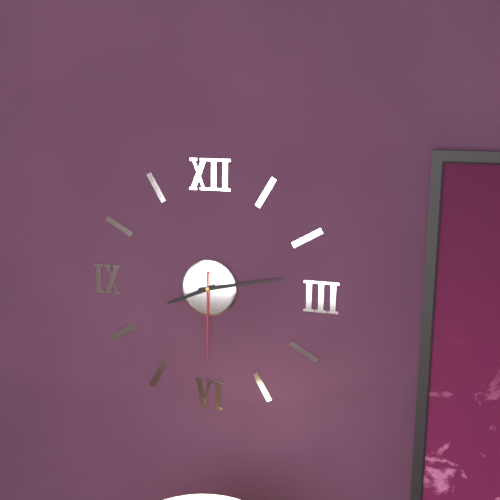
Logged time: 8:13:30
